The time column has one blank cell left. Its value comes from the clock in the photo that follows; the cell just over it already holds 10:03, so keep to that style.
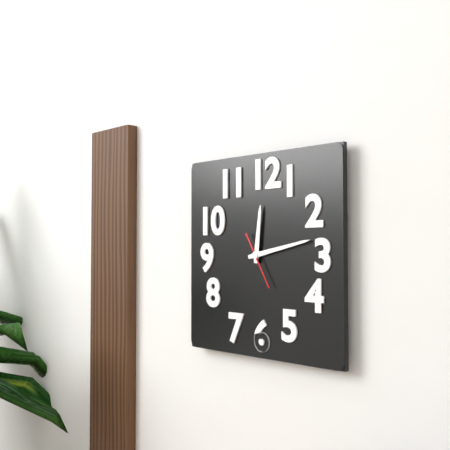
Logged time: 12:13
